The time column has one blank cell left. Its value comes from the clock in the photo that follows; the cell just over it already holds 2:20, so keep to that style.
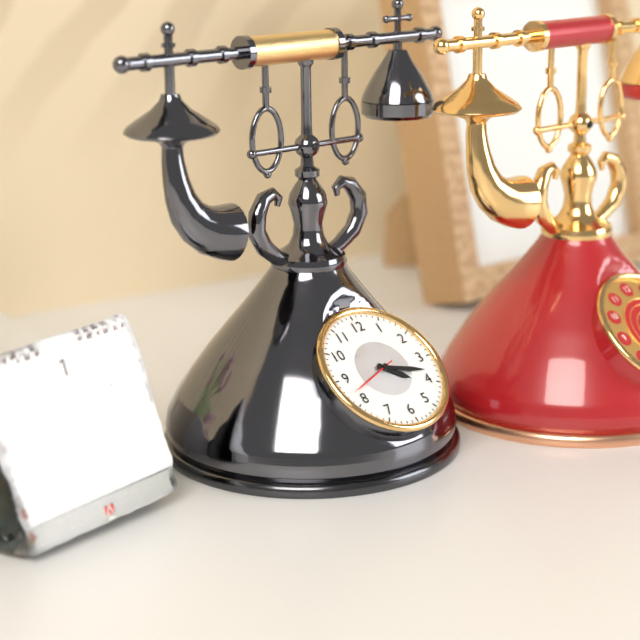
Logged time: 4:18
